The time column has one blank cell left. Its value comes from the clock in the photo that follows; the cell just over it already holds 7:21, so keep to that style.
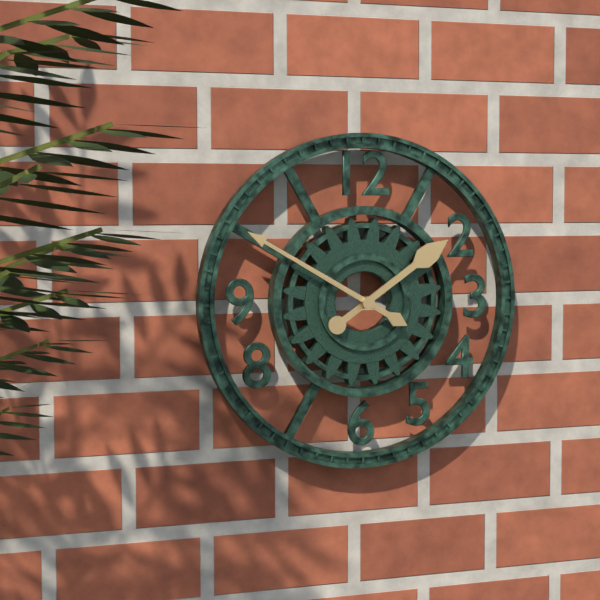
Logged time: 1:50
